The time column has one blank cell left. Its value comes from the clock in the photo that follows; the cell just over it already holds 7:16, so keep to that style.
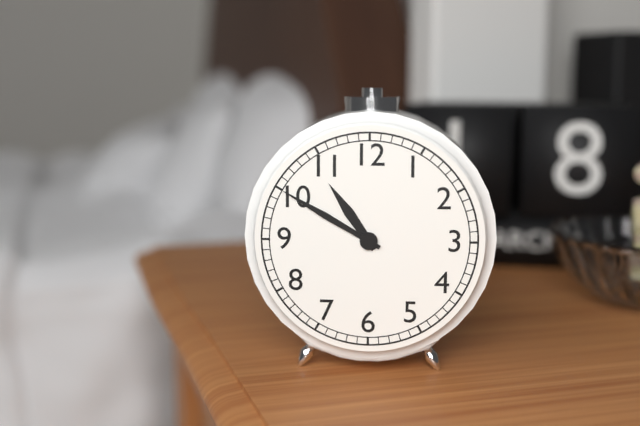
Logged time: 10:50
